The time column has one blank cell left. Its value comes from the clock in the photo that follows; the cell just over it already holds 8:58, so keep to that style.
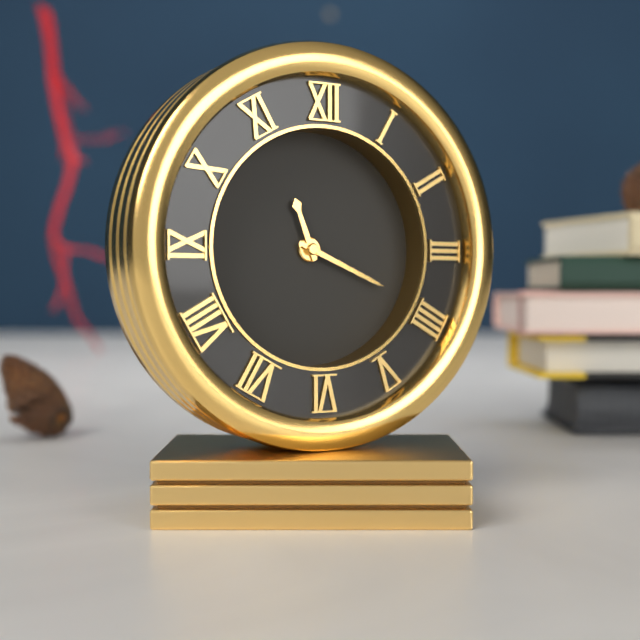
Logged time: 11:19
